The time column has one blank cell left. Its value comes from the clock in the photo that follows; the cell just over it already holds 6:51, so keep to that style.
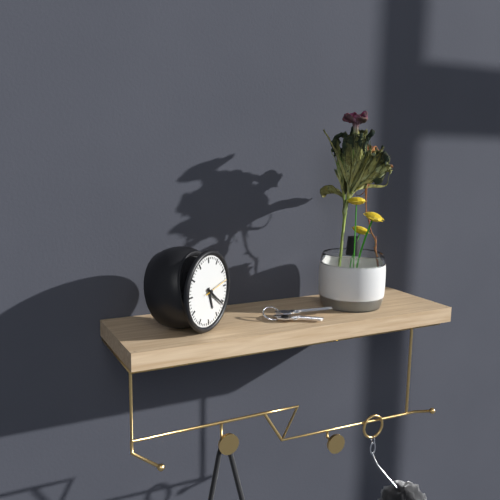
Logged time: 5:21
